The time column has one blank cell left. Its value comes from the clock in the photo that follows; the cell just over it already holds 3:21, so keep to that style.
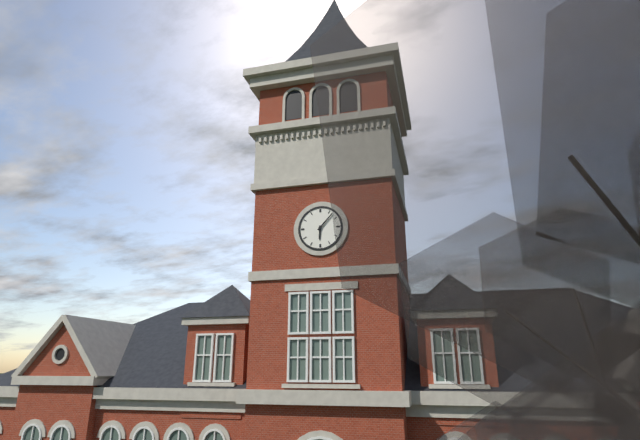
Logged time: 6:07
